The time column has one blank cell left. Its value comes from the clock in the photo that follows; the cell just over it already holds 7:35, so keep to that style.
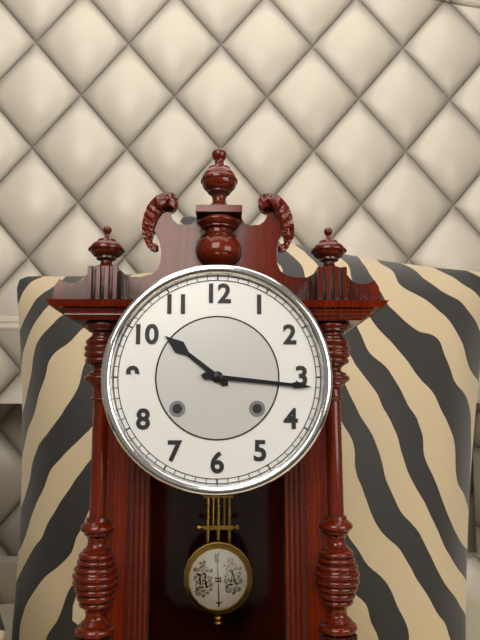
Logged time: 10:16
